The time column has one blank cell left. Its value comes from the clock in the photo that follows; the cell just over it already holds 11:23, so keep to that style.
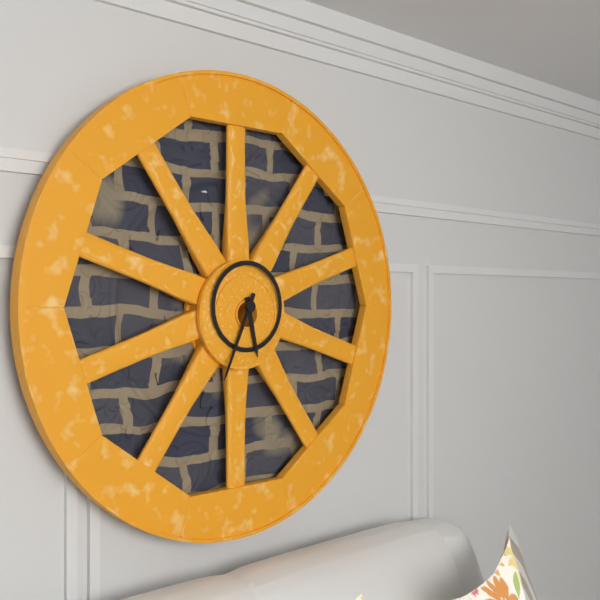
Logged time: 5:34
